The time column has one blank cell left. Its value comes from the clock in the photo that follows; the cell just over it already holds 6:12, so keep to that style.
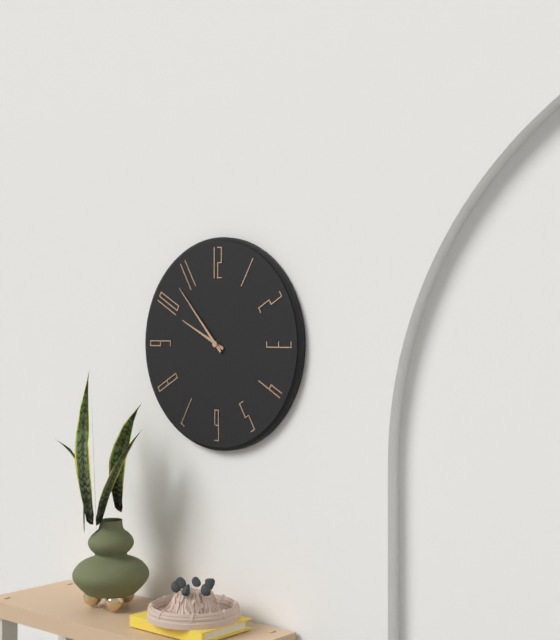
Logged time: 9:53
